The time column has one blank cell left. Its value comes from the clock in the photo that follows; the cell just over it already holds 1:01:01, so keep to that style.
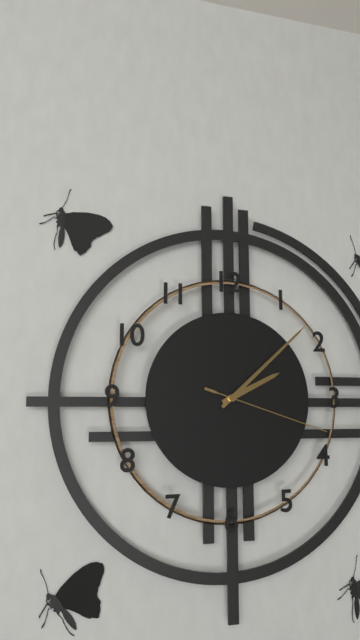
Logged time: 2:08:18
